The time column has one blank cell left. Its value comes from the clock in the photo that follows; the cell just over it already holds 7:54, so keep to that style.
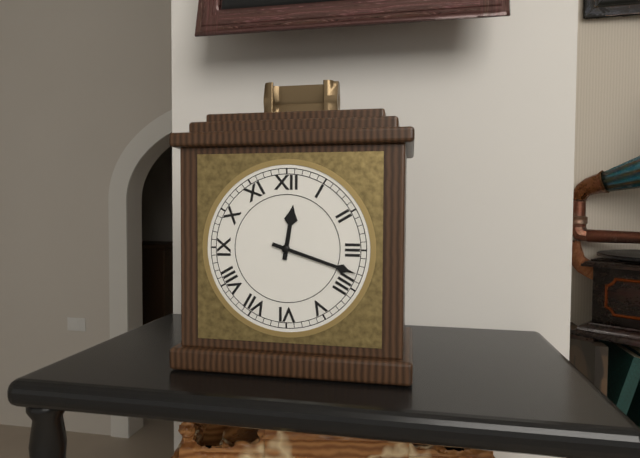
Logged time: 12:18
